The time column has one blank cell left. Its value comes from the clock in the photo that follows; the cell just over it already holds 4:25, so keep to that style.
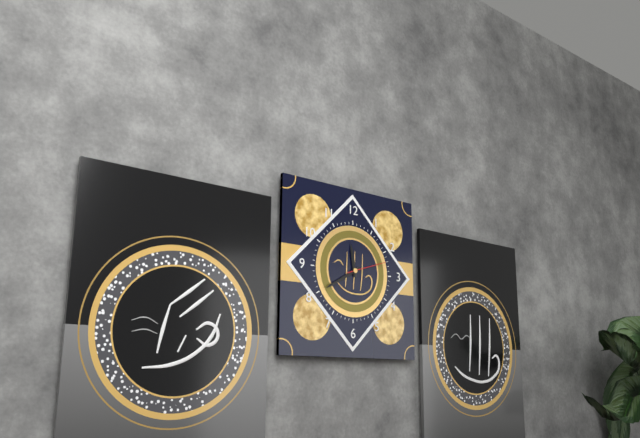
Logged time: 11:40
